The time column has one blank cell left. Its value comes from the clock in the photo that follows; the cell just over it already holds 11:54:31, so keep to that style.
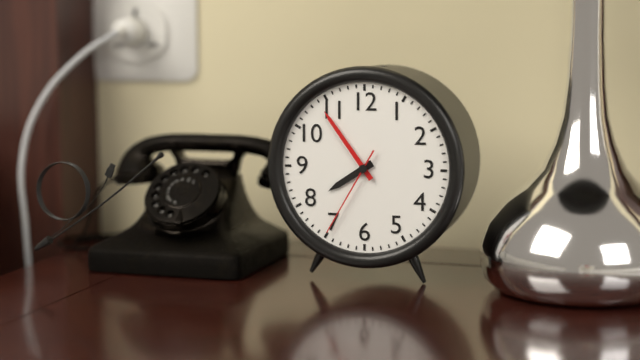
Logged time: 7:54:35
